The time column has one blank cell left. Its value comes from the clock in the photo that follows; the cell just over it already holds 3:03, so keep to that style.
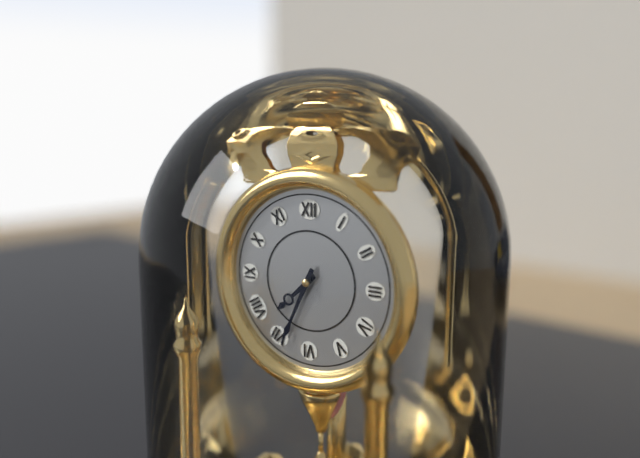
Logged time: 7:34
